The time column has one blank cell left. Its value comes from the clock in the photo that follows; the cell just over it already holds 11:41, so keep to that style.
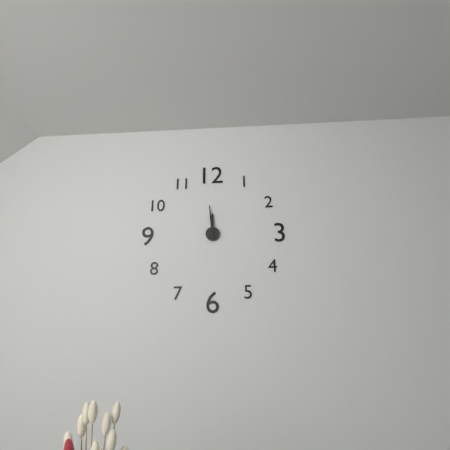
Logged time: 11:59
